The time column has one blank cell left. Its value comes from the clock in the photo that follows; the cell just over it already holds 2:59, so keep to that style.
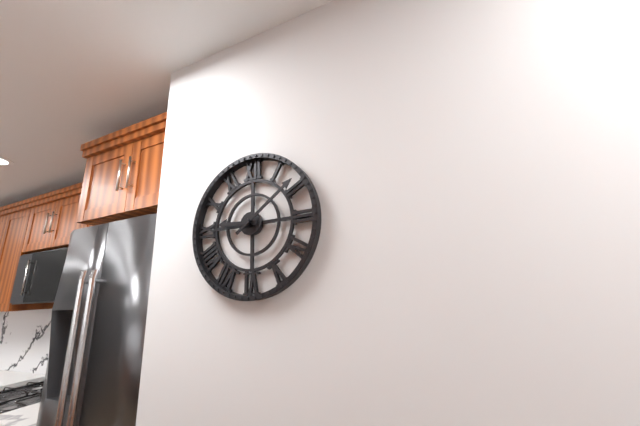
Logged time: 9:09
